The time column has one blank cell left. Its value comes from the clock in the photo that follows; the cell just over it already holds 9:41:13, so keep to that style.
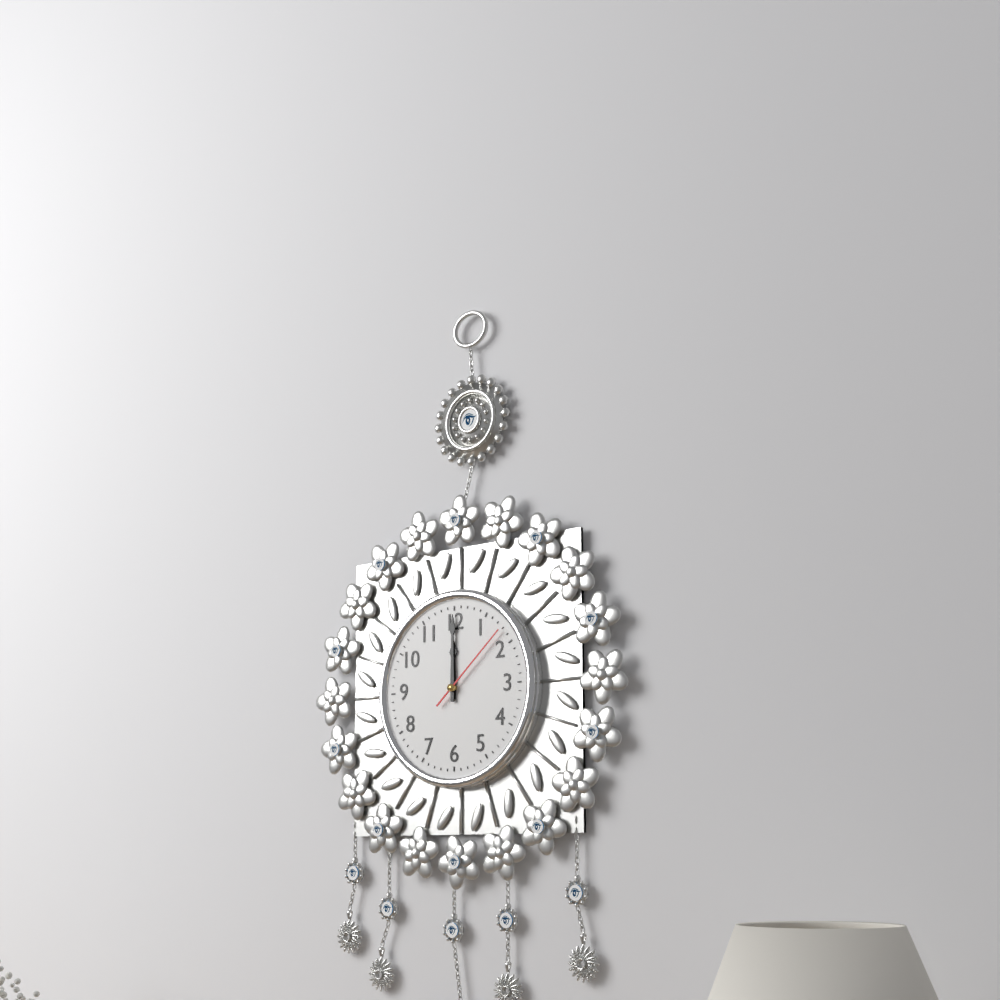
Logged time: 12:00:08
